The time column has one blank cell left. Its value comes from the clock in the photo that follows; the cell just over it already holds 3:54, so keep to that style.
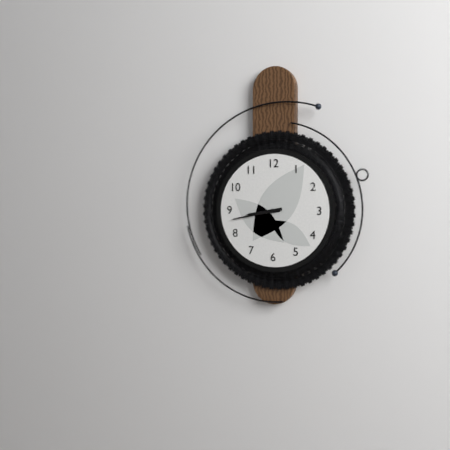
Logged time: 8:43
